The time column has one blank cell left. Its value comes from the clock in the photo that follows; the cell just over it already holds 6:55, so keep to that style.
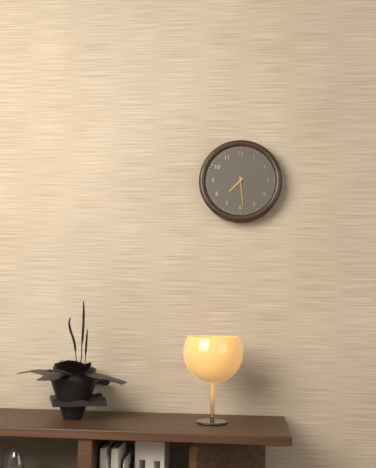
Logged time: 7:29
